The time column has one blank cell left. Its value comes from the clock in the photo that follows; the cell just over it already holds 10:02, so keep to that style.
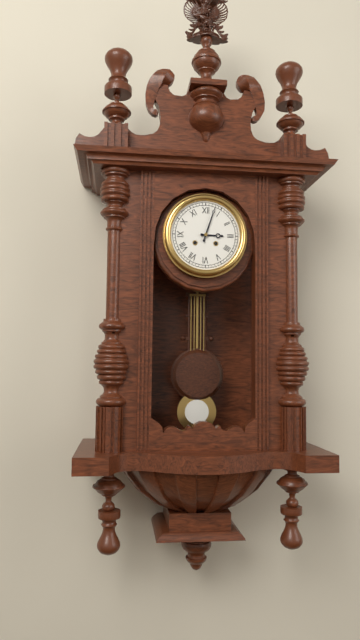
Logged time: 3:03
